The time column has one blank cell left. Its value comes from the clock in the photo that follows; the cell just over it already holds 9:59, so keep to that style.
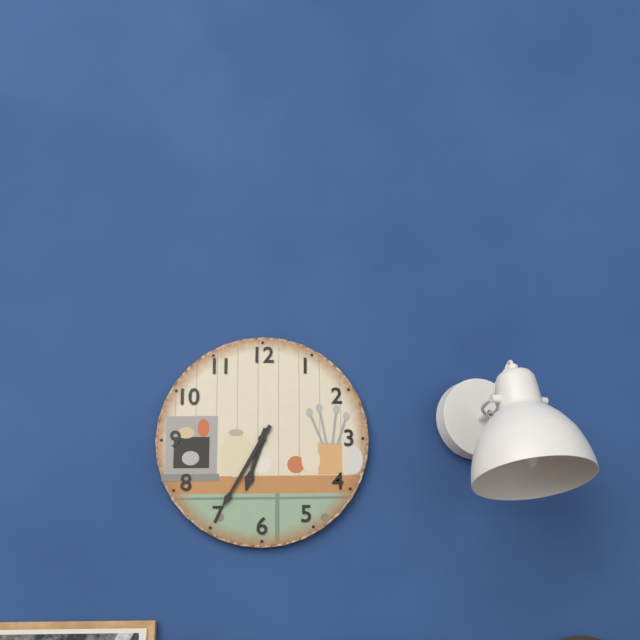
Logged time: 6:35
